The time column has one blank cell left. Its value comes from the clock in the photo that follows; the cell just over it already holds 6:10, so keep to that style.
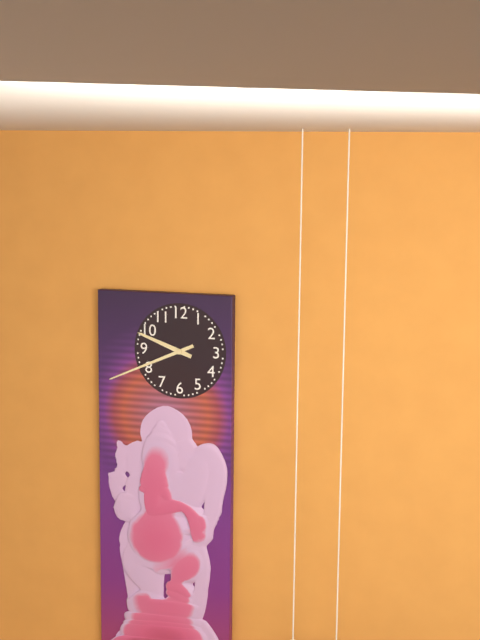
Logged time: 9:41
